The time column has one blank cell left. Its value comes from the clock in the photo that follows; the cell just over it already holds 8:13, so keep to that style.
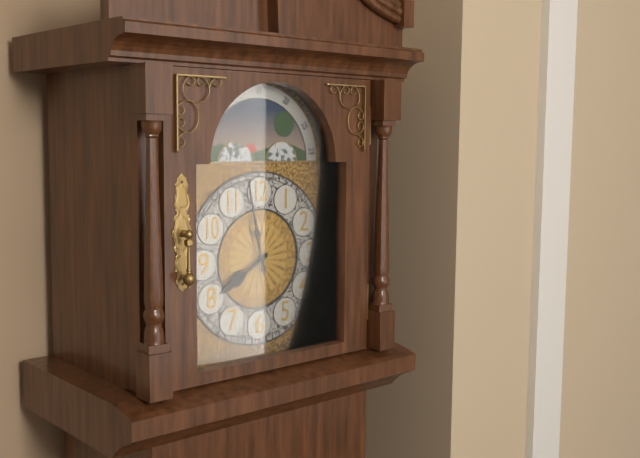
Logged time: 7:58
